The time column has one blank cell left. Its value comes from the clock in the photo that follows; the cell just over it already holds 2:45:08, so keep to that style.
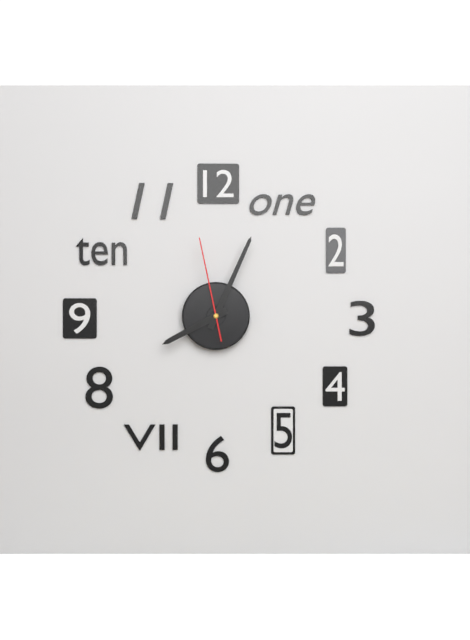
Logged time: 8:04:58
